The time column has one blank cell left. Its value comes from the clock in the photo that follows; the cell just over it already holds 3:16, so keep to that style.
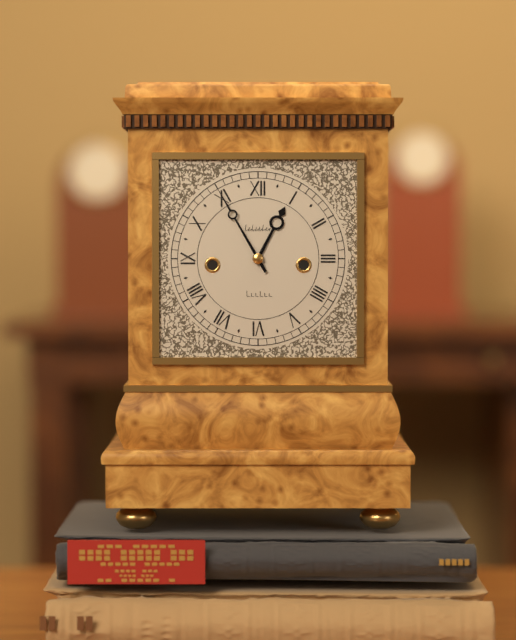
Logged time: 12:55
